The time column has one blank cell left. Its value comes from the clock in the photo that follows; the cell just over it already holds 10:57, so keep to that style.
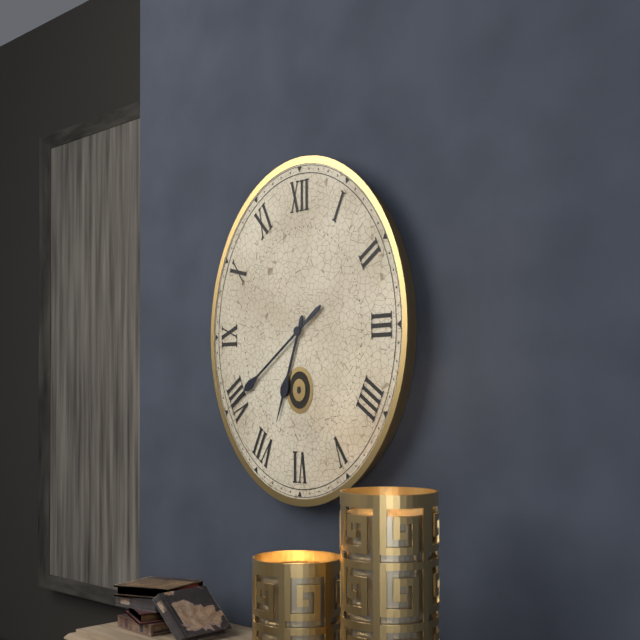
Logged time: 6:39
